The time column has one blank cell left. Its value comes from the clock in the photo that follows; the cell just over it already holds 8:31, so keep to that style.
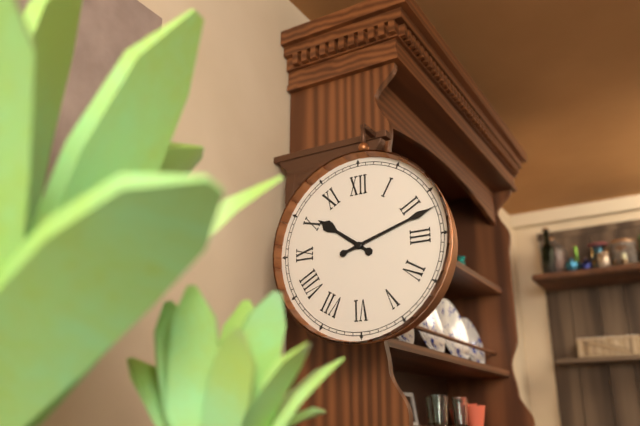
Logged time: 10:12
